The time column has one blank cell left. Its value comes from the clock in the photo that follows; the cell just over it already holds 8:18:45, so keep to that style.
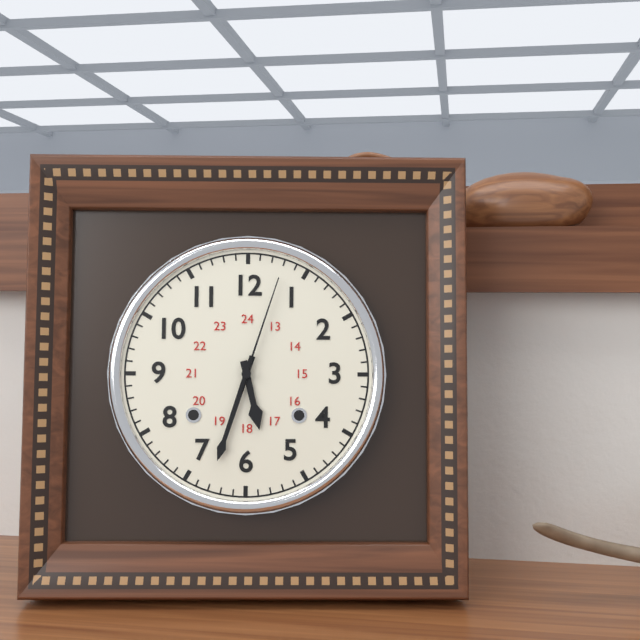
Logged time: 5:33:03
